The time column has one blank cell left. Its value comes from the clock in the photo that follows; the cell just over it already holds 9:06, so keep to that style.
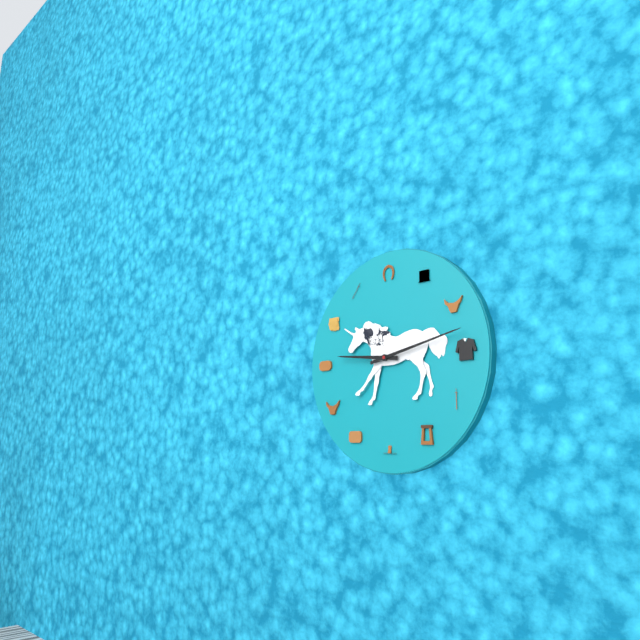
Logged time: 9:13
